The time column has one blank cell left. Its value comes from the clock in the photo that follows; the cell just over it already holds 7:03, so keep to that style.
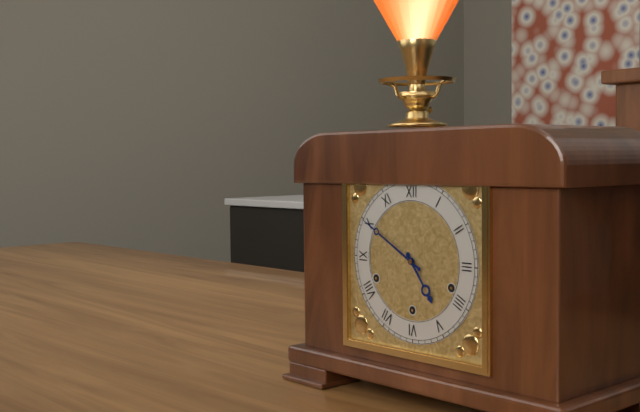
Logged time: 4:50
